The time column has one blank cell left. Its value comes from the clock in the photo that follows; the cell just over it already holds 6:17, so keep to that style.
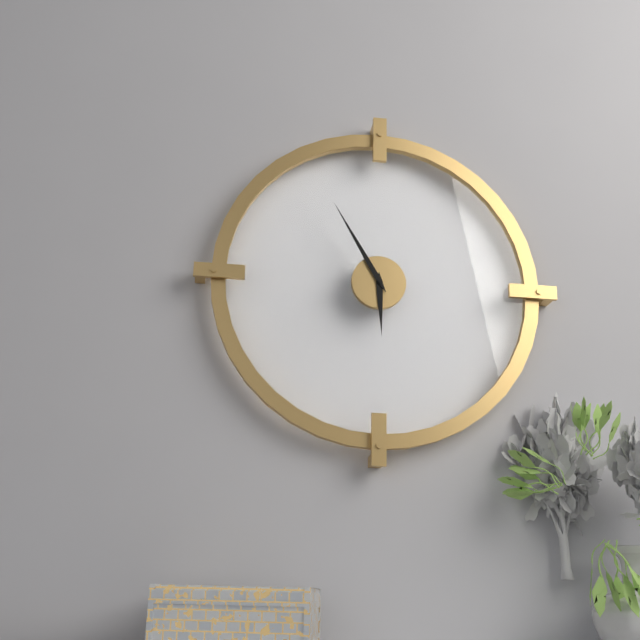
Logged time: 5:55
